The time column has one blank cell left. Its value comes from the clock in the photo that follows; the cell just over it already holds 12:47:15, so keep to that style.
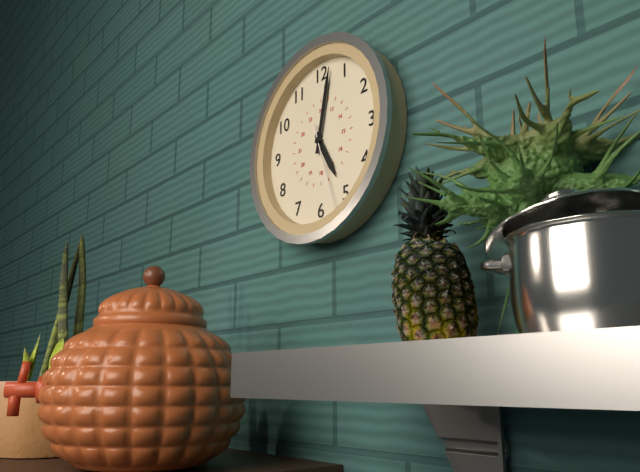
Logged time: 5:02:27
